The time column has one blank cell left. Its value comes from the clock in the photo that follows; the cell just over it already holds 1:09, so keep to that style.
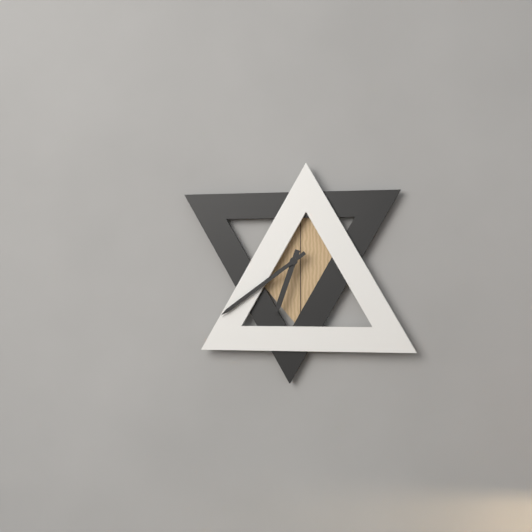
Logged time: 6:39
